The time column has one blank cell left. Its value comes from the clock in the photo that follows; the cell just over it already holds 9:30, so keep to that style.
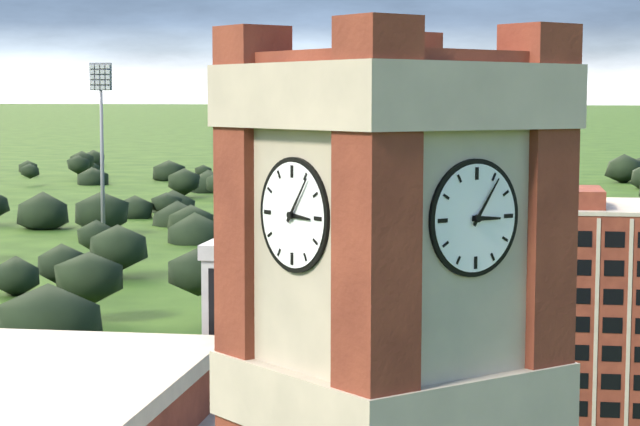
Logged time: 3:06
